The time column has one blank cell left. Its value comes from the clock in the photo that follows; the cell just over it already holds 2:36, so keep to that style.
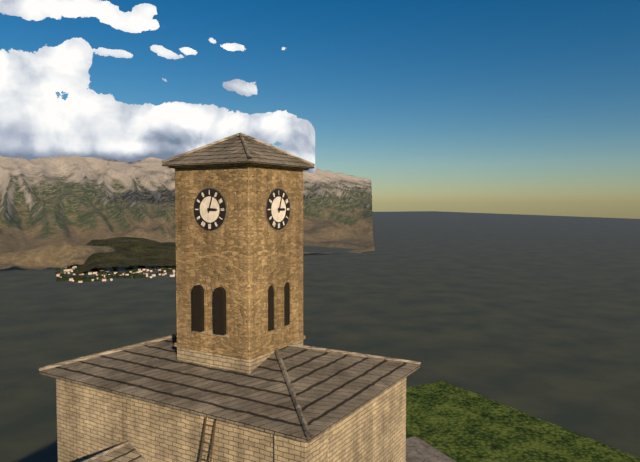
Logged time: 3:03
